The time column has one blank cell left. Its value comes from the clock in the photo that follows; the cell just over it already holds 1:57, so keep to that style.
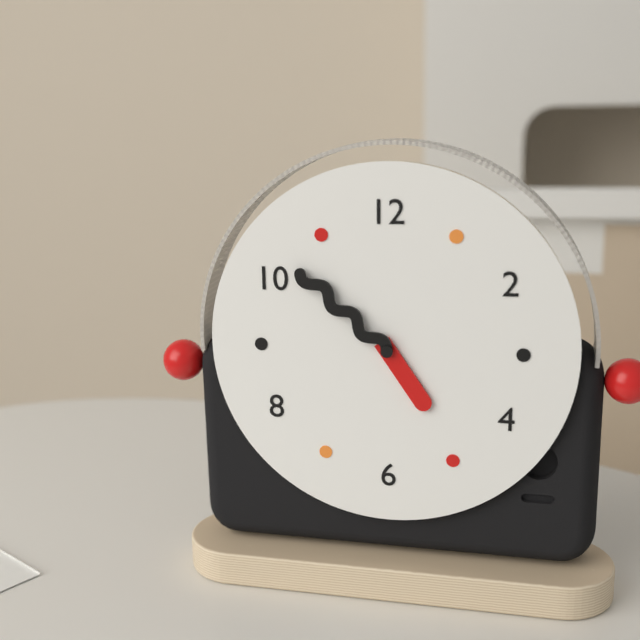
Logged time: 4:52
